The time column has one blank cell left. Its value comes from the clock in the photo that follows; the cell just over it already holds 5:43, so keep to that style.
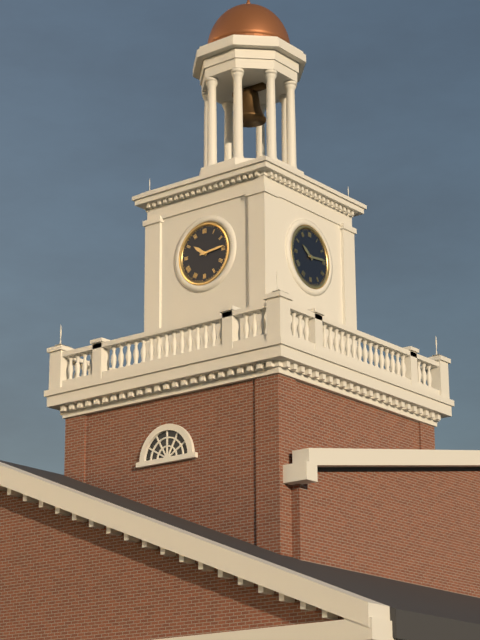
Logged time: 10:14
